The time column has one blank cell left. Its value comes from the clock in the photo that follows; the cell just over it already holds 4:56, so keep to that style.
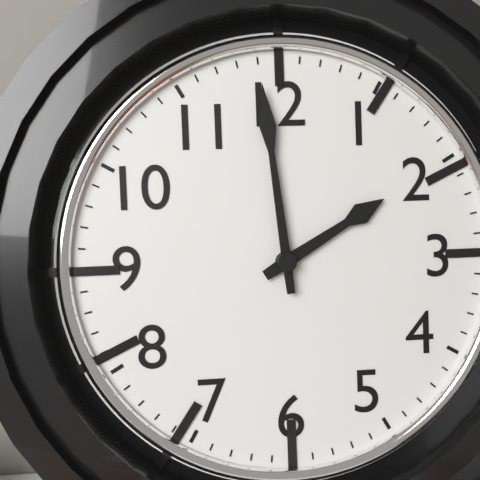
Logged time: 1:59
